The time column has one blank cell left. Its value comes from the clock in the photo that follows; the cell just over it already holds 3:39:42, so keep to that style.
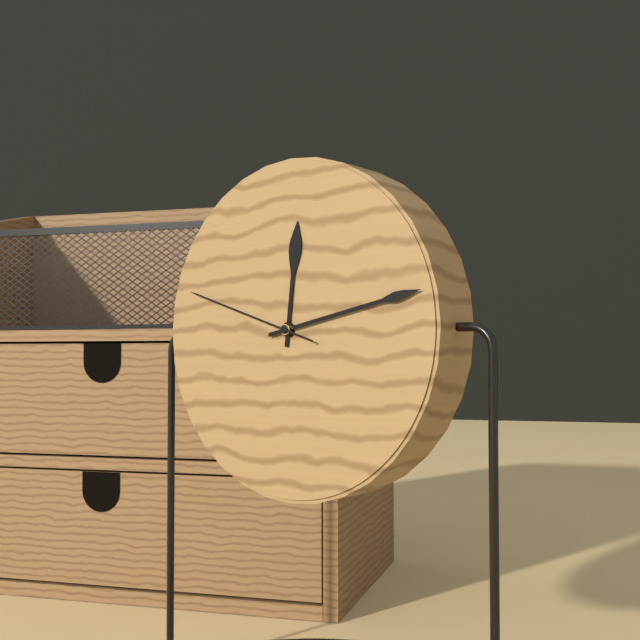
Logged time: 12:13:48
